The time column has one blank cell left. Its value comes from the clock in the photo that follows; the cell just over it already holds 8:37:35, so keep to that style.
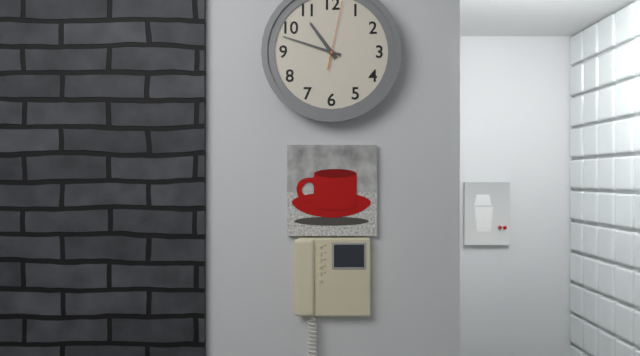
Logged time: 10:48:02
